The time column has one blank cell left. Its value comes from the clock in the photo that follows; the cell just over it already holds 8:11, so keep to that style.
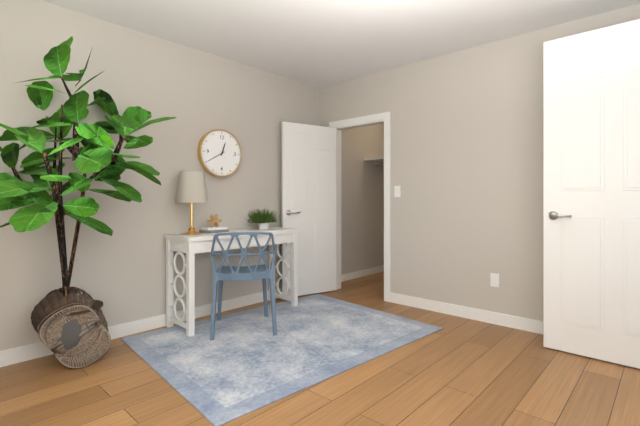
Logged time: 12:40
